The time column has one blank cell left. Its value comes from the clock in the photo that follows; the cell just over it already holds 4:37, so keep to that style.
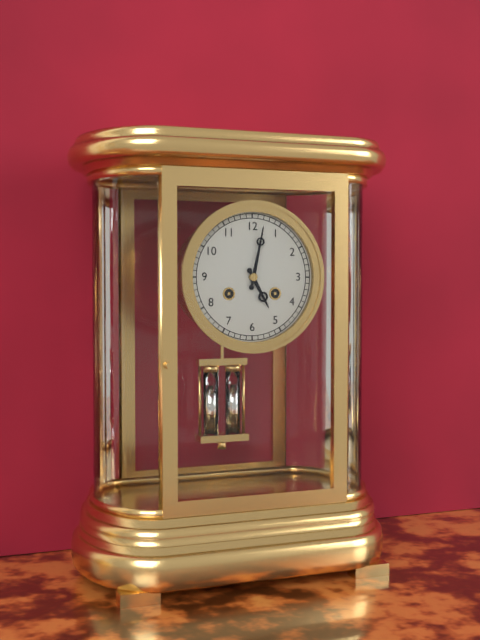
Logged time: 5:02
